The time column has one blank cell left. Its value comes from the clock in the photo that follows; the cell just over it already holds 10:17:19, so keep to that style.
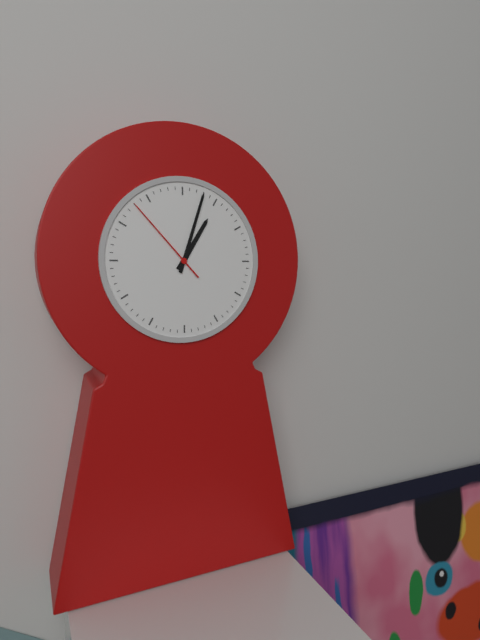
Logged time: 1:03:53
